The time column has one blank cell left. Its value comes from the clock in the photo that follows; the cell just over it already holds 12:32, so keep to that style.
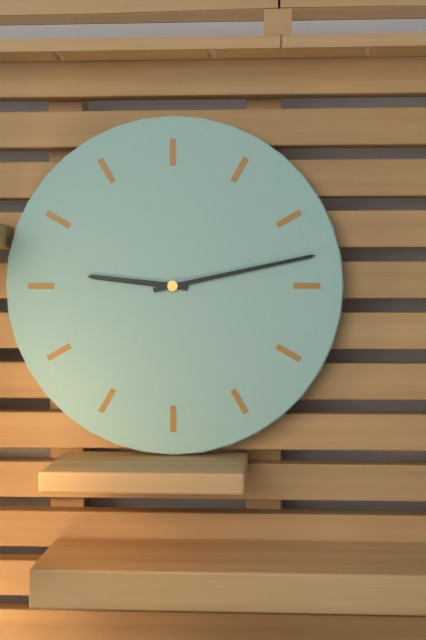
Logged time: 9:13
